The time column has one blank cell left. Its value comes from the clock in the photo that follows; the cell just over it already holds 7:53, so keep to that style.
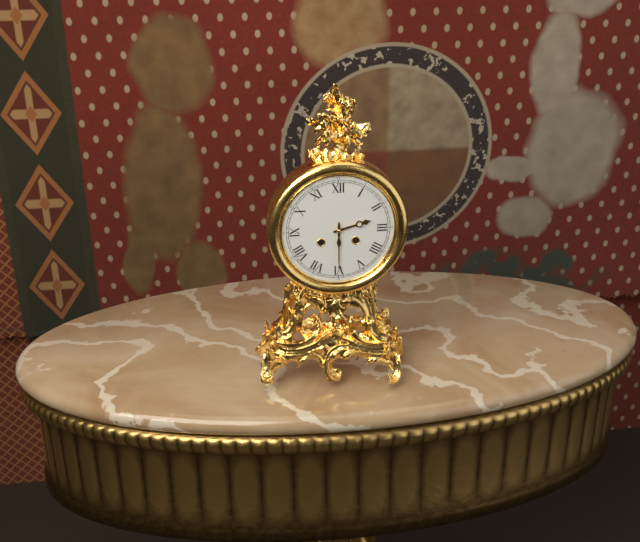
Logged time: 2:30
